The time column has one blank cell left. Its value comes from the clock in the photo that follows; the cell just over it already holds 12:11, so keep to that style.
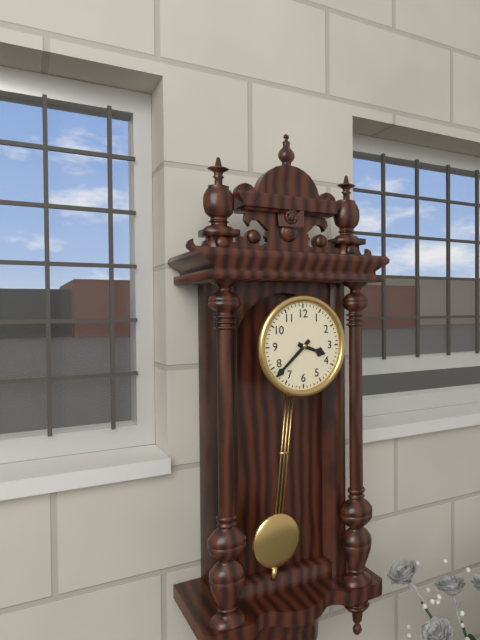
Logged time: 3:38
